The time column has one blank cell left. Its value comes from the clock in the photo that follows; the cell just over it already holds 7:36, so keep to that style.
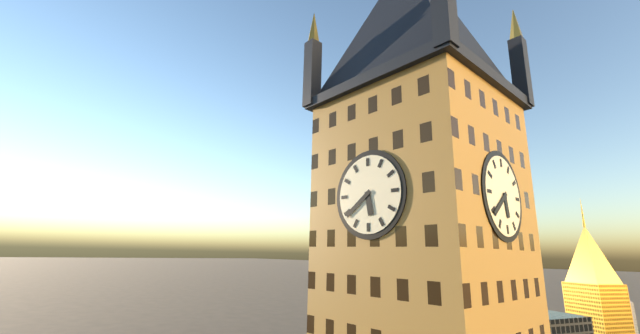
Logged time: 5:39
